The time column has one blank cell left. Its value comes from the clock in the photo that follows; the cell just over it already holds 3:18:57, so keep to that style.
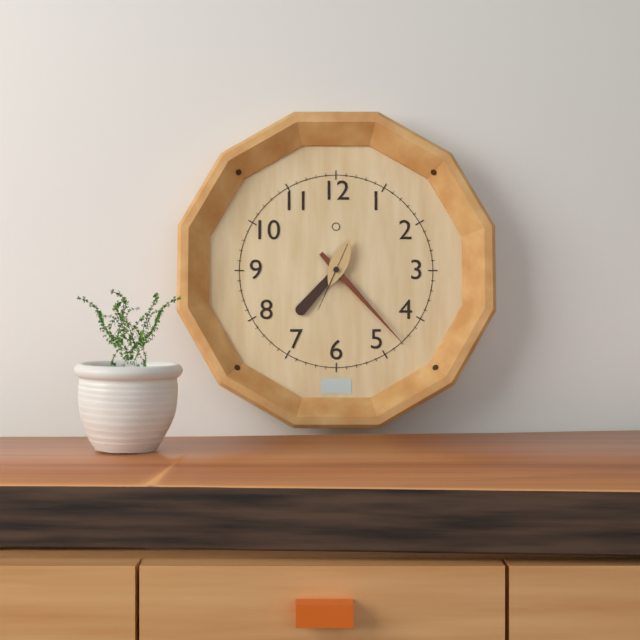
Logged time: 7:23:34
